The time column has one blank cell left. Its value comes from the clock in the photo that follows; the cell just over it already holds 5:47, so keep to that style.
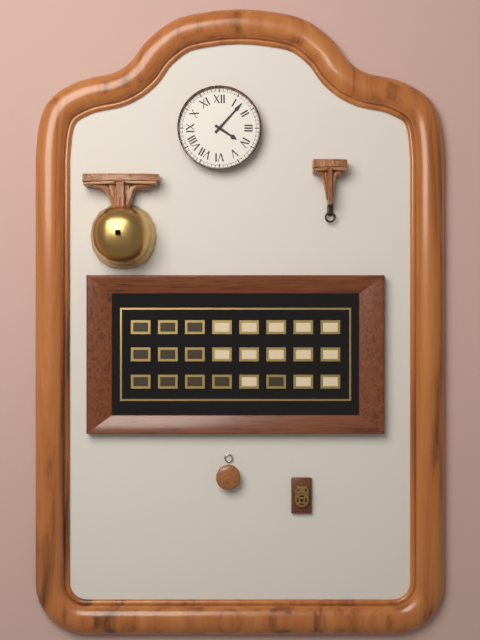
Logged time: 4:07
